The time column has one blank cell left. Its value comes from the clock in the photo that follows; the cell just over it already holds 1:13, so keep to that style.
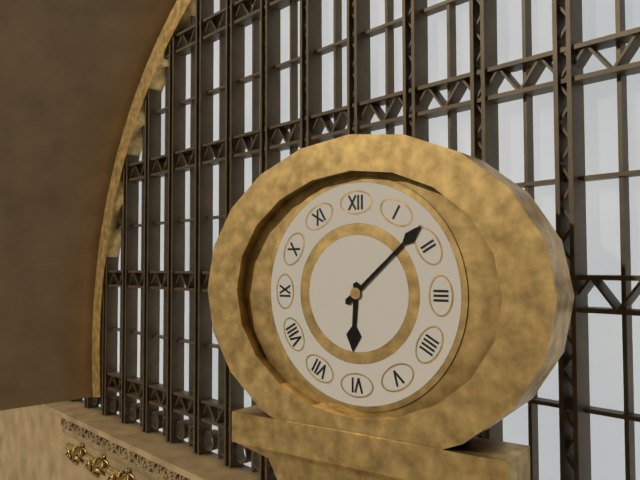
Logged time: 6:08
